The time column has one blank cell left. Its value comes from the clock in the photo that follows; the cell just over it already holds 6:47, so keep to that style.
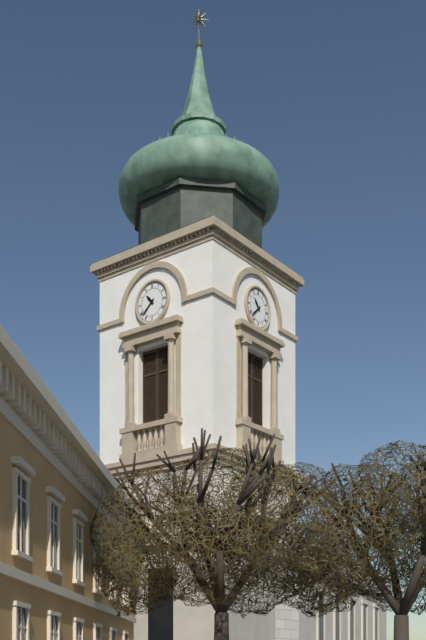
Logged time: 10:38
